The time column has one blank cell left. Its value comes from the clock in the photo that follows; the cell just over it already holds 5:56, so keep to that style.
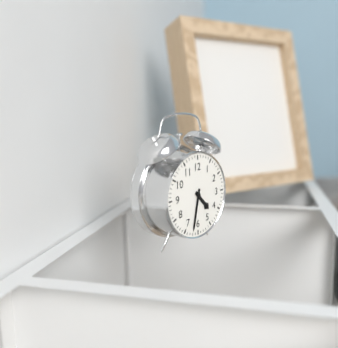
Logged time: 4:32
